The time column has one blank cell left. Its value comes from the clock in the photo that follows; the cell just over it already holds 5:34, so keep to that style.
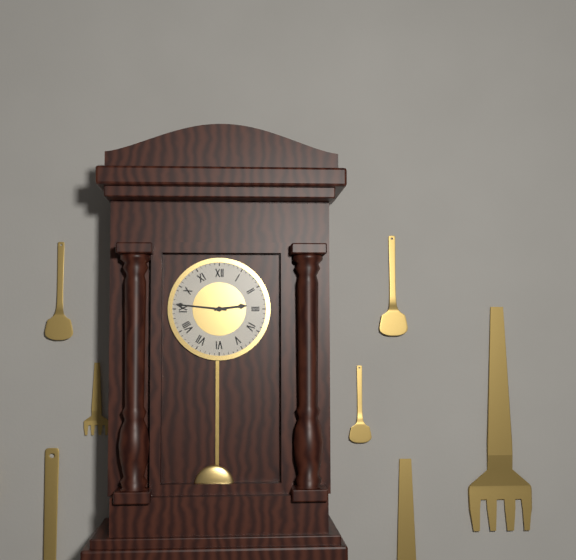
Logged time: 2:46
